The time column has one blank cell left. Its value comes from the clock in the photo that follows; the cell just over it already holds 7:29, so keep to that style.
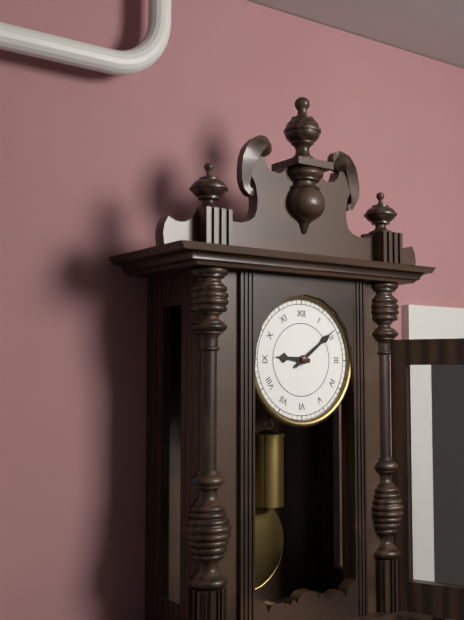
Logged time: 9:09
